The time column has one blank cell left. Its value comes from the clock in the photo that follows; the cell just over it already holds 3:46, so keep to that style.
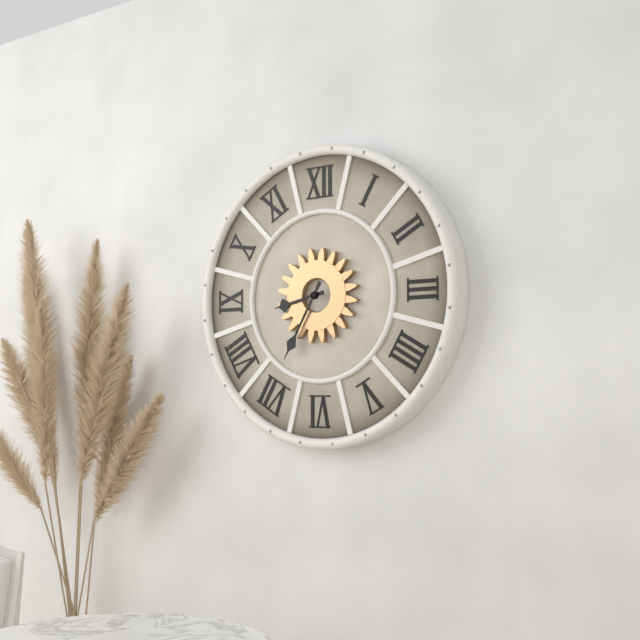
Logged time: 8:35
